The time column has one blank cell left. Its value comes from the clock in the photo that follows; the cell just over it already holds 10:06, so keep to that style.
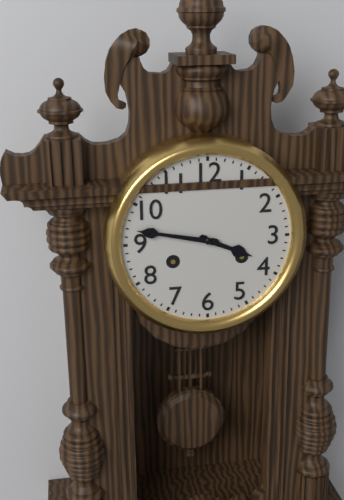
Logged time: 3:47
